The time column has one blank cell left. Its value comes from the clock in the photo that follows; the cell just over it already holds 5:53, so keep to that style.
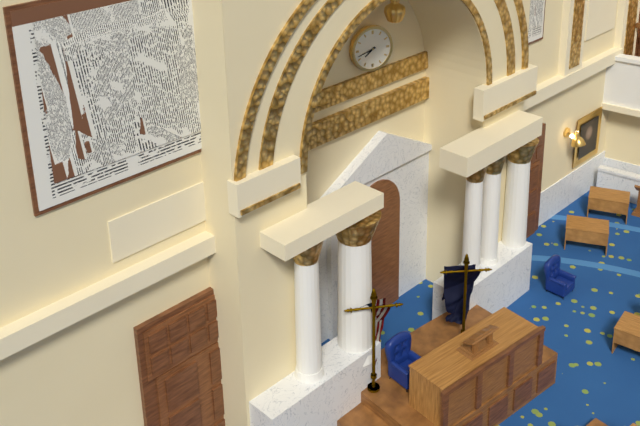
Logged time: 7:42
